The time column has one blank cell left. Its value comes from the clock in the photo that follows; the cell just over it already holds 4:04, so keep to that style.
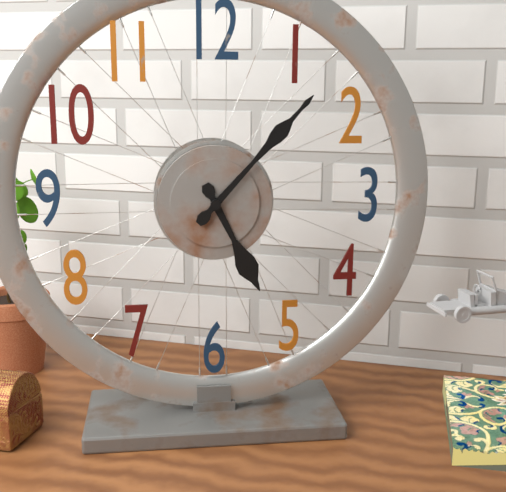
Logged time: 5:07
